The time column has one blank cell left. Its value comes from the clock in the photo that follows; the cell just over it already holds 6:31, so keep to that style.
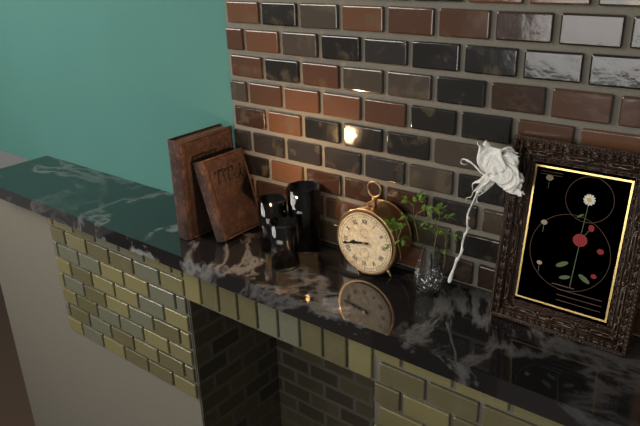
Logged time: 8:43
